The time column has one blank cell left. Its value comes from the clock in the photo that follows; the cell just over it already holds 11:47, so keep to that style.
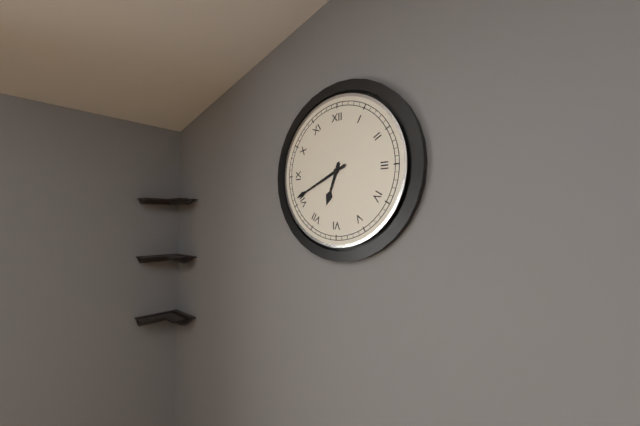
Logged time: 6:41
